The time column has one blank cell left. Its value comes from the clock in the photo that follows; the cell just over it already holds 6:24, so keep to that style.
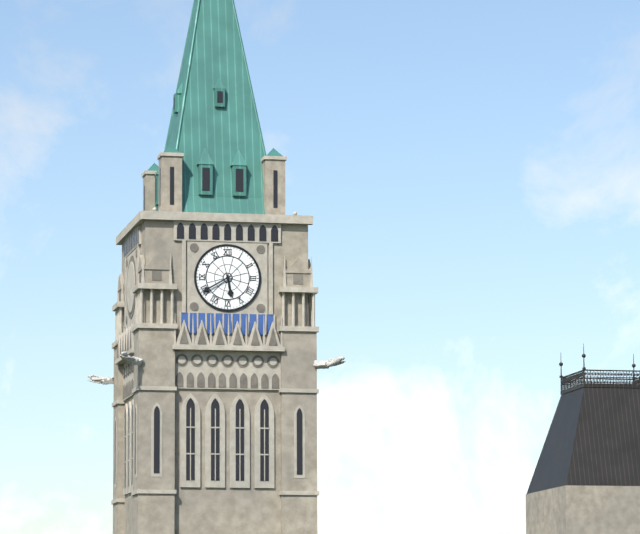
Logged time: 5:40
